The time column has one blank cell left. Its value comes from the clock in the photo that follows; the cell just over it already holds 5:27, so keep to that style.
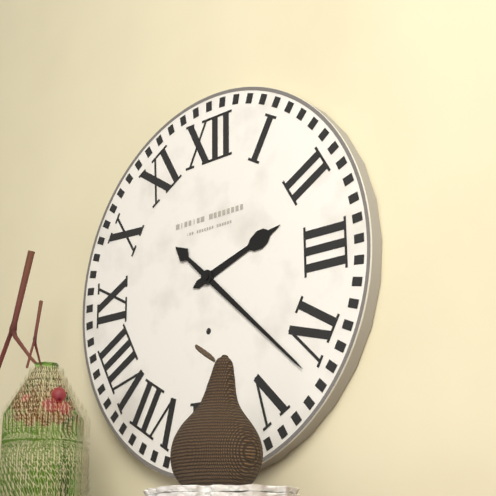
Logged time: 2:22
